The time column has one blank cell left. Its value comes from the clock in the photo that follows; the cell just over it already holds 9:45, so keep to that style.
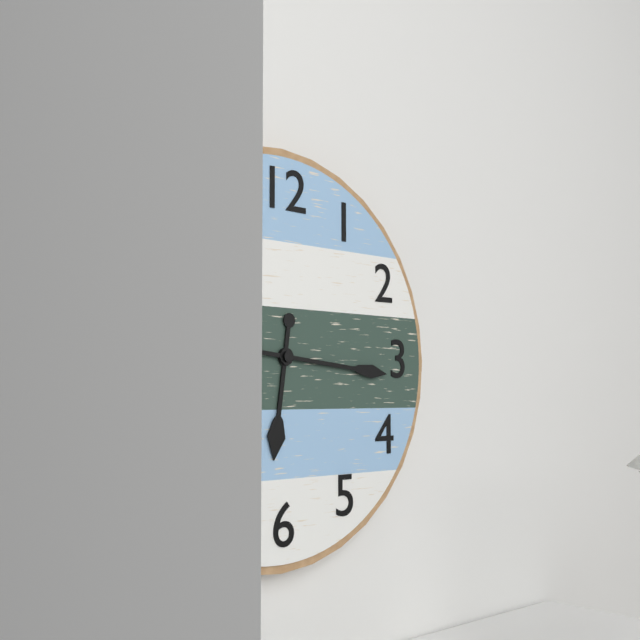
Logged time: 6:16
